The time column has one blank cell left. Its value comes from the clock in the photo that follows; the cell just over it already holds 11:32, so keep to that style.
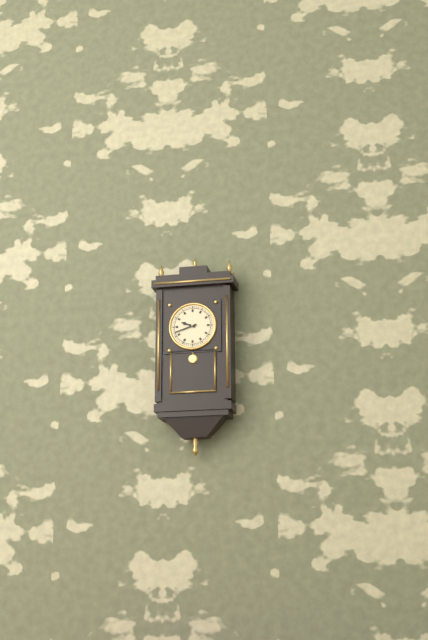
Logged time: 9:42
